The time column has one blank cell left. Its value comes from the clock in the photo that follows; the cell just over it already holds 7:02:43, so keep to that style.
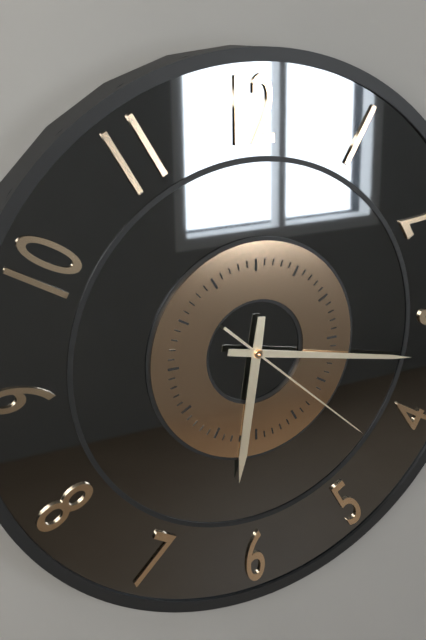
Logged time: 6:17:22
